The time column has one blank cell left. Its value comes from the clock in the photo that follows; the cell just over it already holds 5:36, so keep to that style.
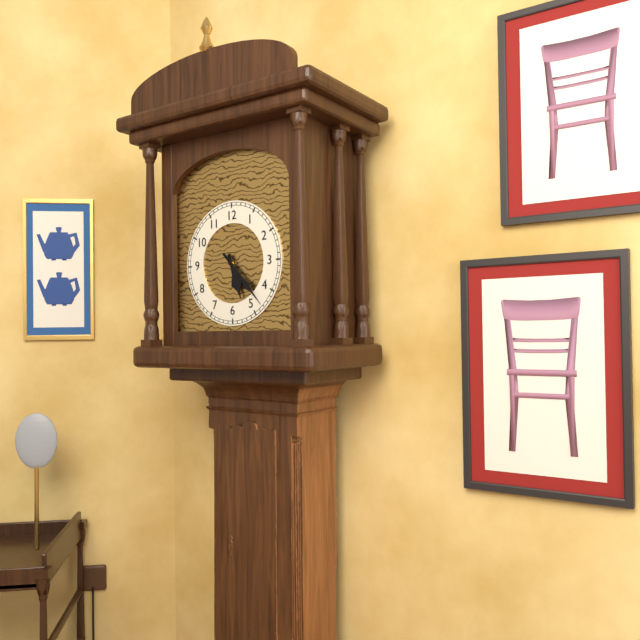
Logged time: 5:23
